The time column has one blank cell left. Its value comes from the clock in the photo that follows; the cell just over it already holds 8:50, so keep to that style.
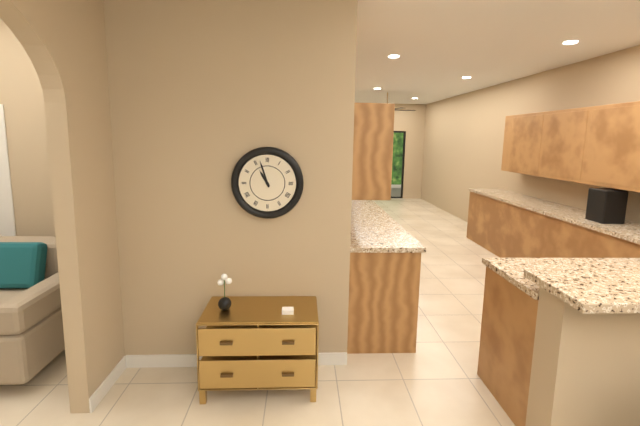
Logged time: 10:57
